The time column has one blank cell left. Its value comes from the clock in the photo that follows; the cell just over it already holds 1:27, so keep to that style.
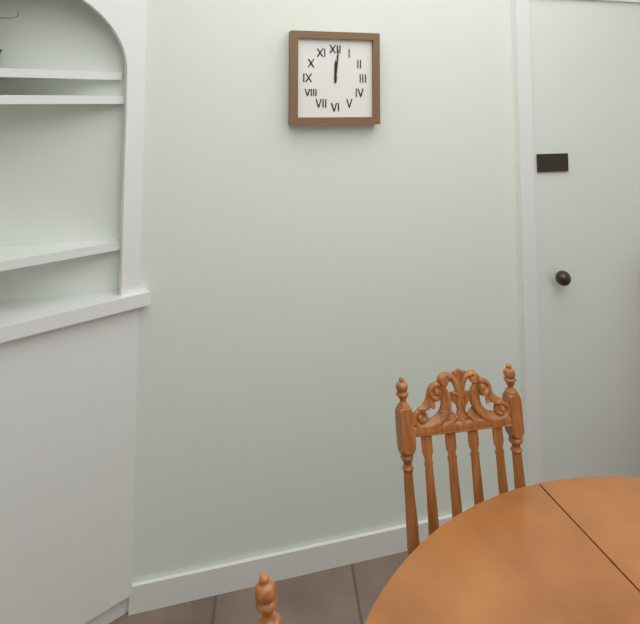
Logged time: 12:01
